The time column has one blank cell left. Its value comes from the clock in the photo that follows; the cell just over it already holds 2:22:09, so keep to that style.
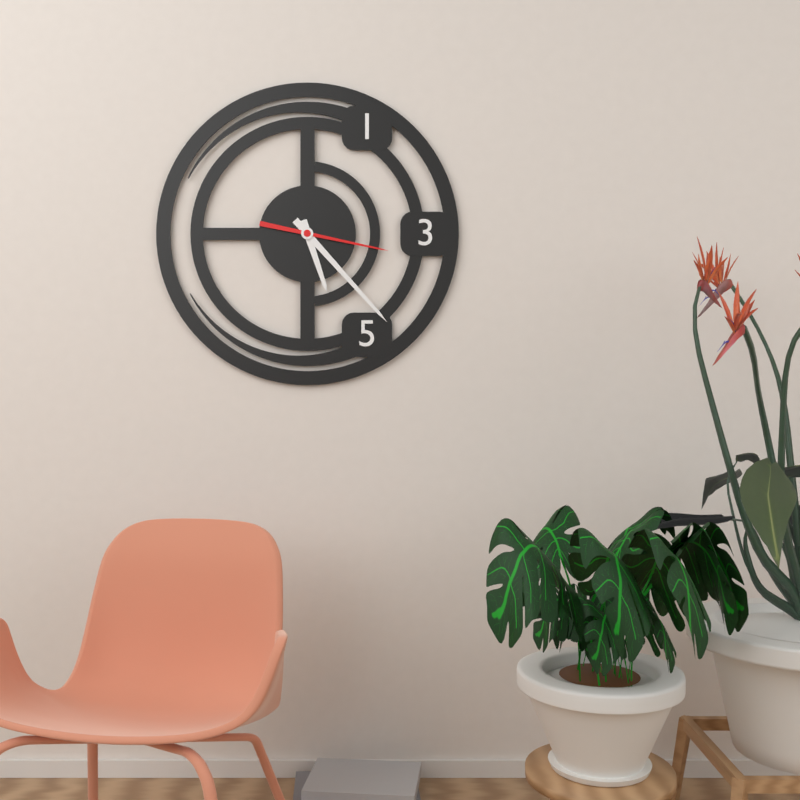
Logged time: 5:23:17
